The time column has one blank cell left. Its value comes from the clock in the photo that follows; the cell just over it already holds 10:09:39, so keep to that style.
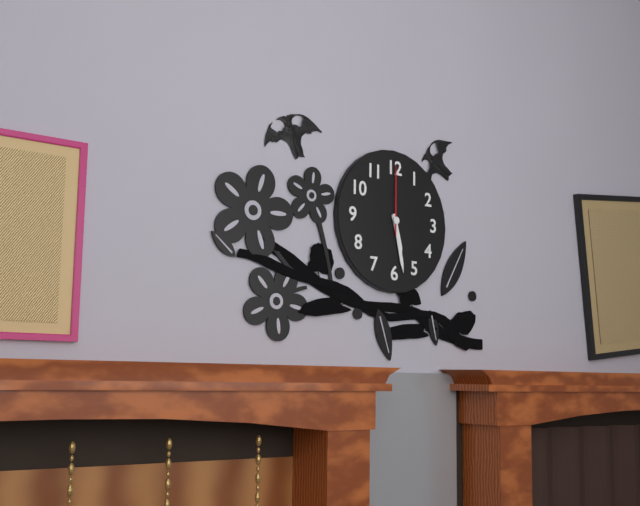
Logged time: 5:28:00
